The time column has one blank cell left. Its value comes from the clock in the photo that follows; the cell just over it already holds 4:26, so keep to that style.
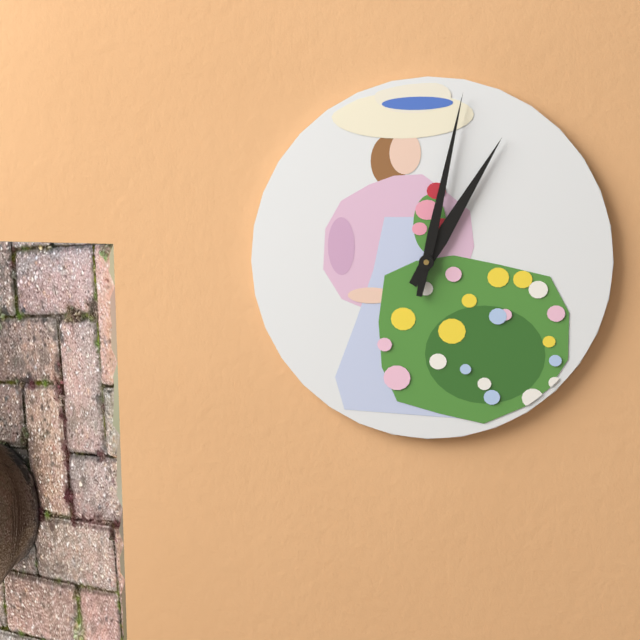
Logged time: 1:02
